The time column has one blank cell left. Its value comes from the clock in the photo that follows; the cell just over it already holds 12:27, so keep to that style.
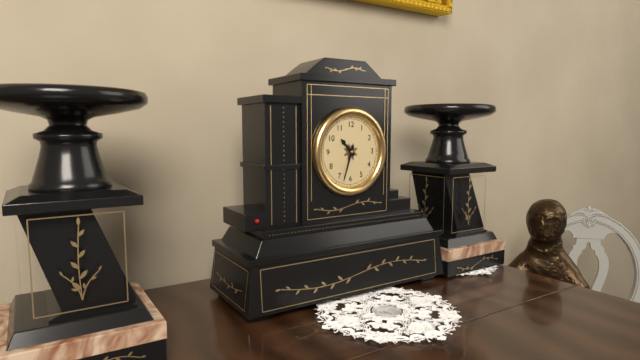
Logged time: 10:33
